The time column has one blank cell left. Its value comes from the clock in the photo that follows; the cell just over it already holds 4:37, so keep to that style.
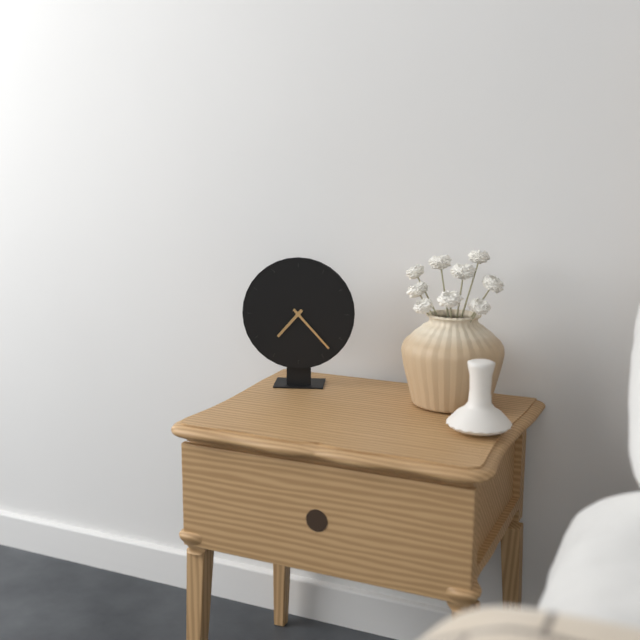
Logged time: 7:23
